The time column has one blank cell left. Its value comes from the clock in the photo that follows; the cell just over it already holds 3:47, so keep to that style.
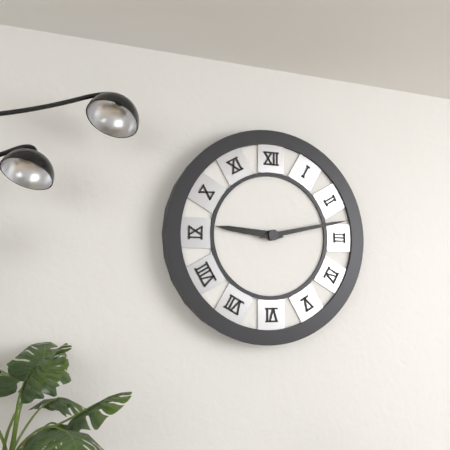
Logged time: 9:13
